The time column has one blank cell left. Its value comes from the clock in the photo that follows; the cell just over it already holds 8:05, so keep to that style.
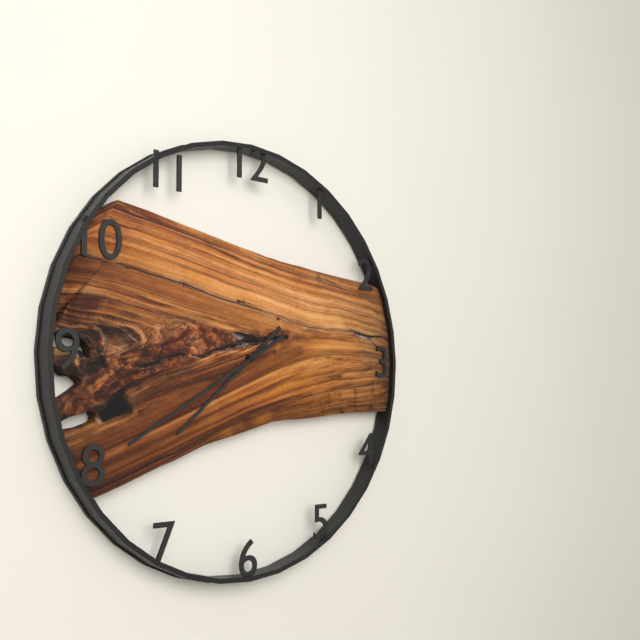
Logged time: 7:40
